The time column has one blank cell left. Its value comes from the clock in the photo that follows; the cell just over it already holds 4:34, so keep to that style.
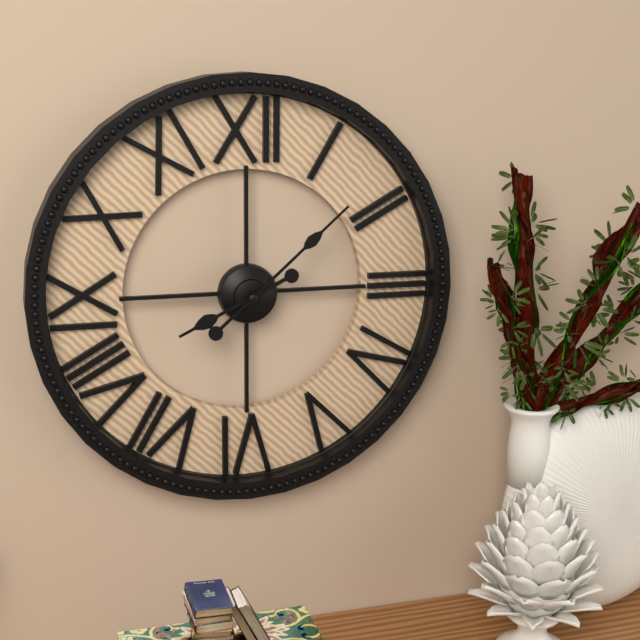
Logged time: 8:08
